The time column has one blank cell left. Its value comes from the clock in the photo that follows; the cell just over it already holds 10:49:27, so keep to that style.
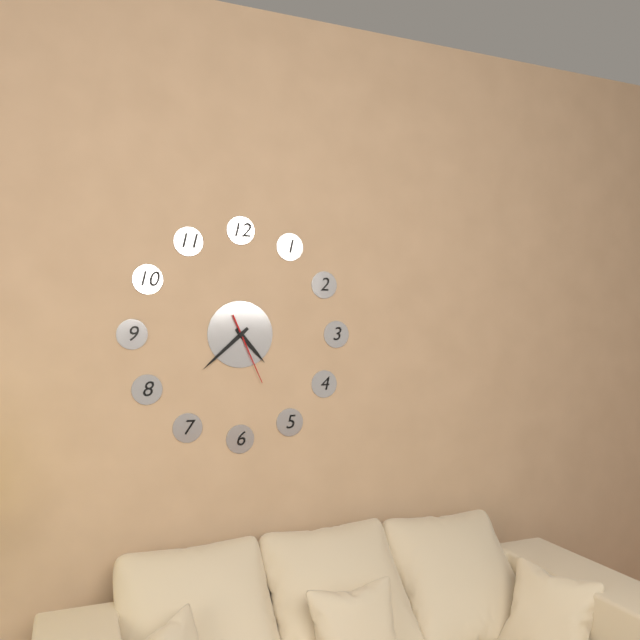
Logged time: 4:38:26
